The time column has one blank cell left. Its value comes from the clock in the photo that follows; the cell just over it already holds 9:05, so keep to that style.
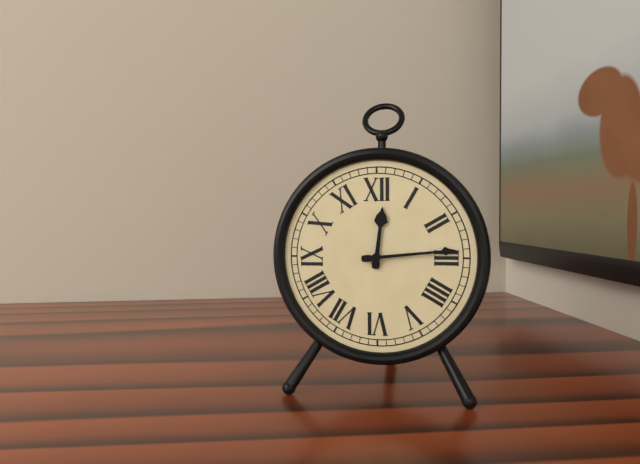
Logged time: 12:14
